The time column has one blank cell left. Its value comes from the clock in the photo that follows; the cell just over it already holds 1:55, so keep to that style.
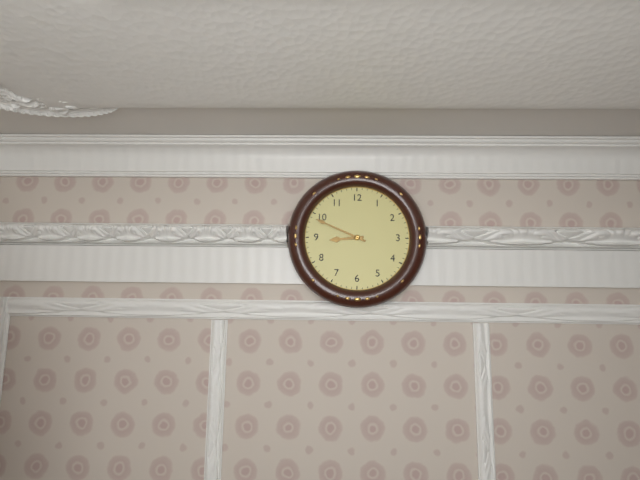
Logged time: 8:49
